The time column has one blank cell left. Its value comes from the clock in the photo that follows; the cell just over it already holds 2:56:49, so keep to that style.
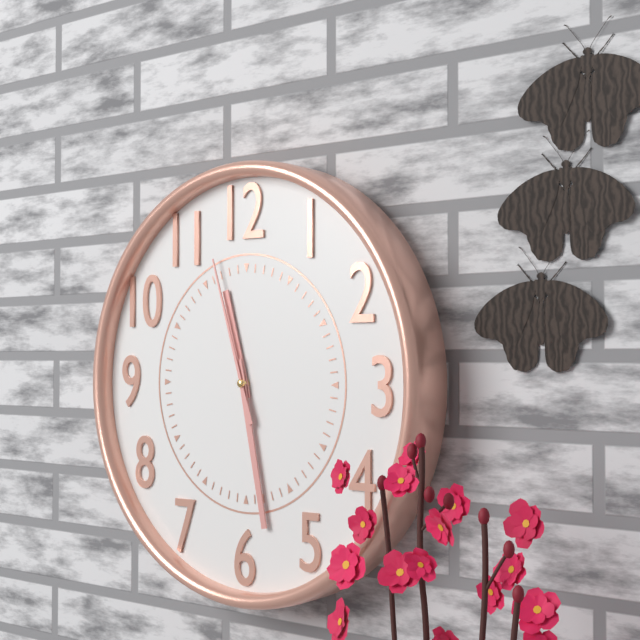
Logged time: 11:28:57
